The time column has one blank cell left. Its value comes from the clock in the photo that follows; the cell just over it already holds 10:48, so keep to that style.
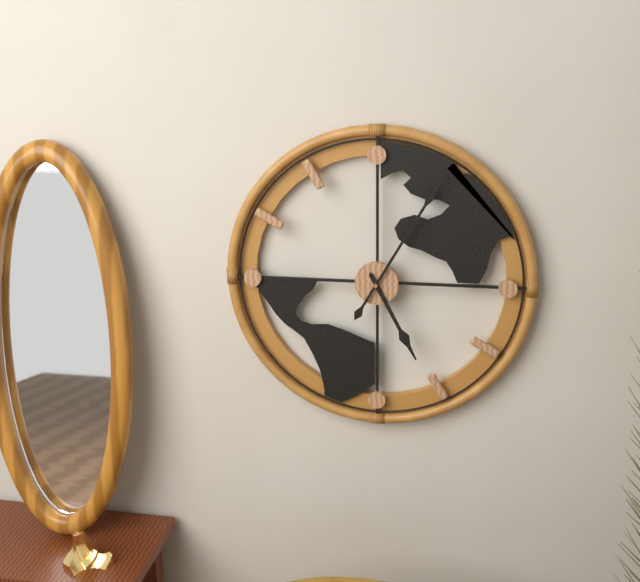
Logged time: 5:05
